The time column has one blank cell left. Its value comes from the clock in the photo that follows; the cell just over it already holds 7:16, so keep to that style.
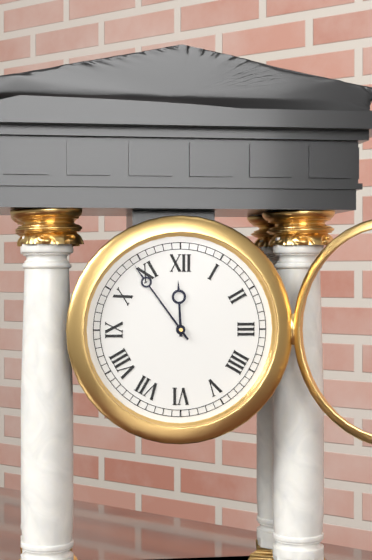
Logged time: 11:54
